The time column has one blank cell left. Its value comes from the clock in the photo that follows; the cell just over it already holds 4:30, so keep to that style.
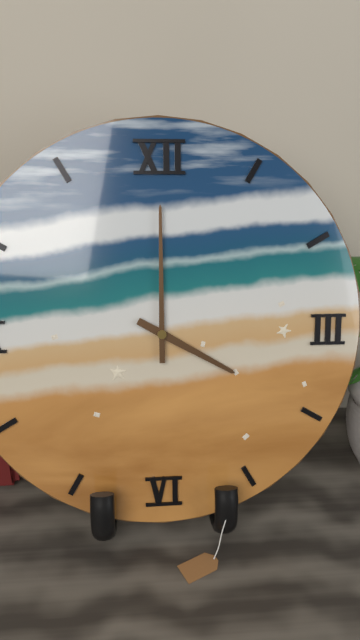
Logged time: 4:00
